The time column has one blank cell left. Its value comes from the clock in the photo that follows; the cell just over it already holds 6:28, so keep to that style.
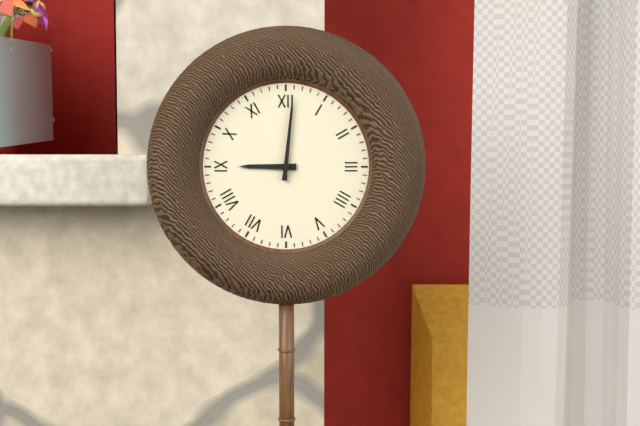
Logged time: 9:01
